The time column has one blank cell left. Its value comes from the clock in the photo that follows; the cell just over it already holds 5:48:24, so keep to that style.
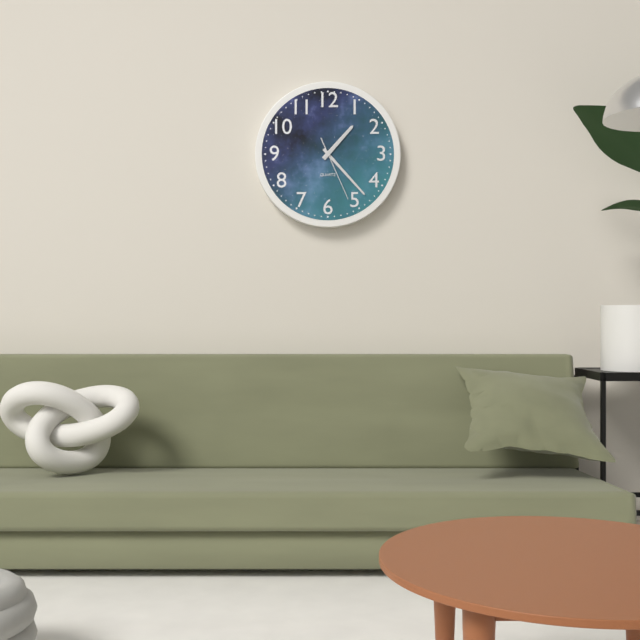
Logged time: 1:23:26
